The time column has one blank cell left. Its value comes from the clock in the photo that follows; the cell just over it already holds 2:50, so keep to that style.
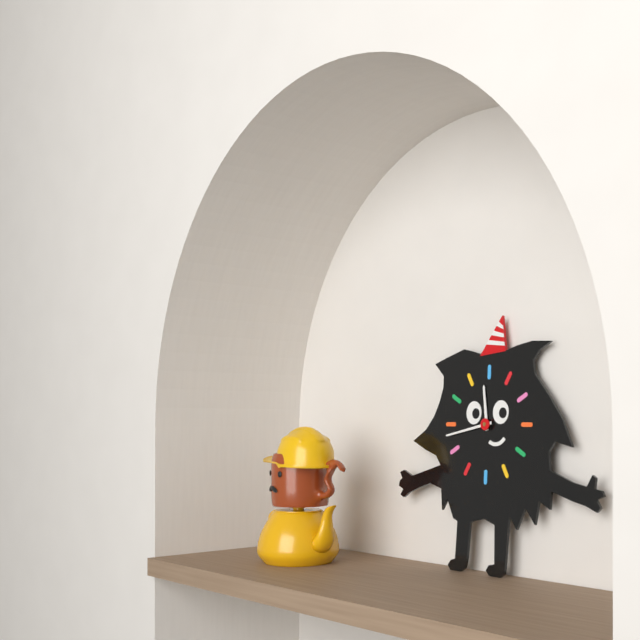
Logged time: 11:43
